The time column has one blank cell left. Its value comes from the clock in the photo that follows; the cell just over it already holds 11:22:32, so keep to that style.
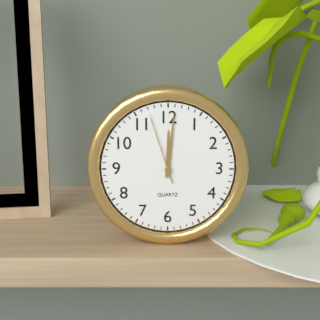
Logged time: 12:01:57
